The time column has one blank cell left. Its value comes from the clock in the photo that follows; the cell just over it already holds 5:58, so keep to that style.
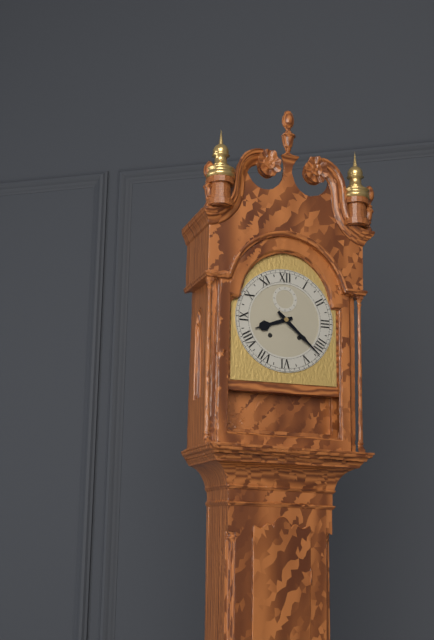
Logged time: 8:22
